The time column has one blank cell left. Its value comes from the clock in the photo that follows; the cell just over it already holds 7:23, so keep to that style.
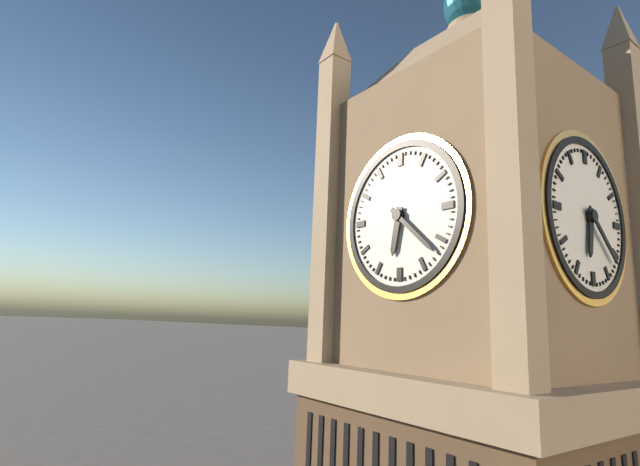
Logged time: 6:22
